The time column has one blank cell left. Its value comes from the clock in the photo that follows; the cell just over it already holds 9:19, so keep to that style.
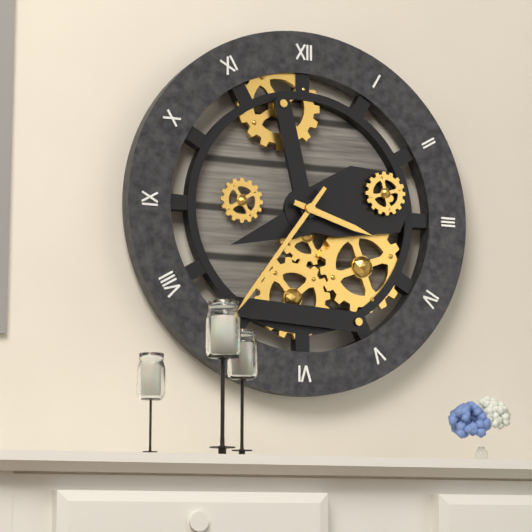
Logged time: 3:36
